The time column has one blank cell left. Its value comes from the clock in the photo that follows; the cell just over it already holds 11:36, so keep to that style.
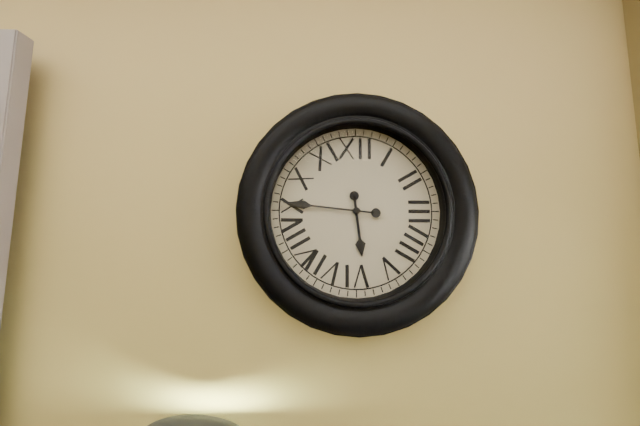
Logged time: 5:46
